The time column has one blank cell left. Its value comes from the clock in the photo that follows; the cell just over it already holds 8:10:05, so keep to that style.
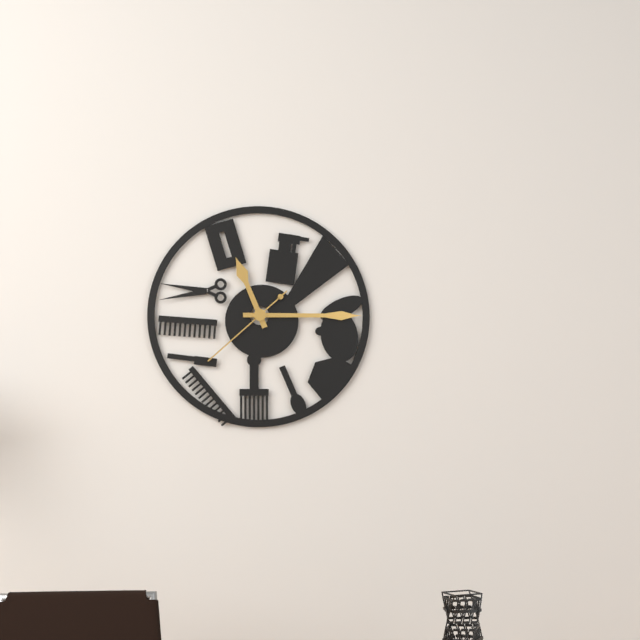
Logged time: 11:15:38
